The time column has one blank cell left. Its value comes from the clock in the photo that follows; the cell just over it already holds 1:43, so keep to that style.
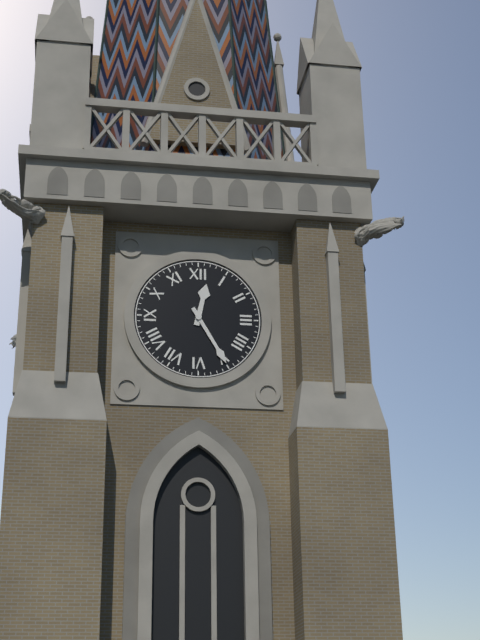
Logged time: 12:25
